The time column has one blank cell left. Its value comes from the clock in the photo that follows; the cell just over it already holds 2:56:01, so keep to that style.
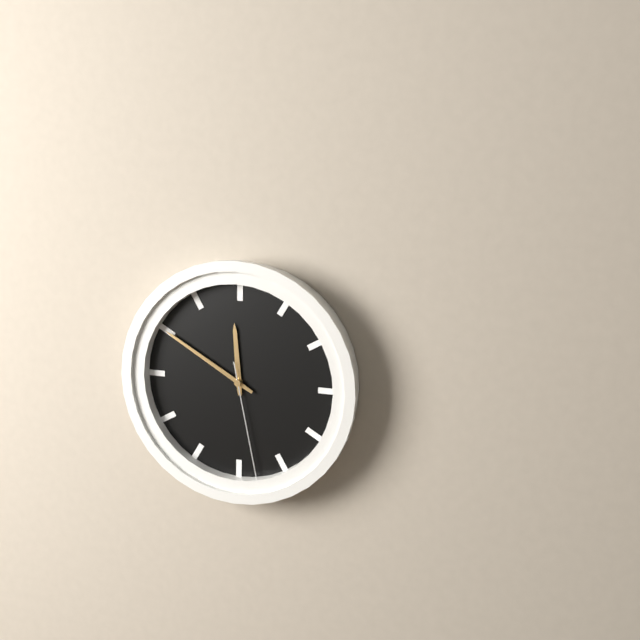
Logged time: 11:50:28
